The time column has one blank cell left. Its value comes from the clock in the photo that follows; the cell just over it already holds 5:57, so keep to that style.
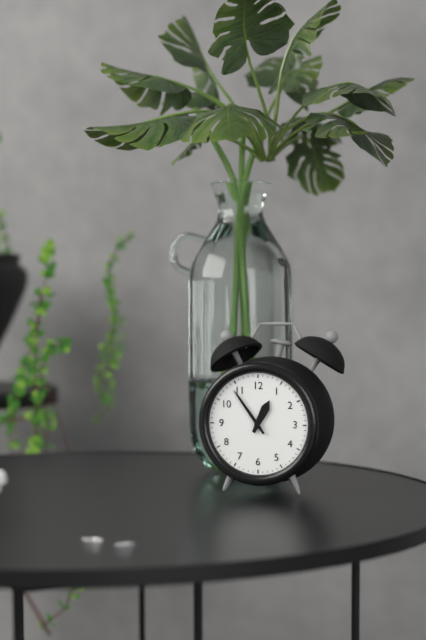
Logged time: 12:54
